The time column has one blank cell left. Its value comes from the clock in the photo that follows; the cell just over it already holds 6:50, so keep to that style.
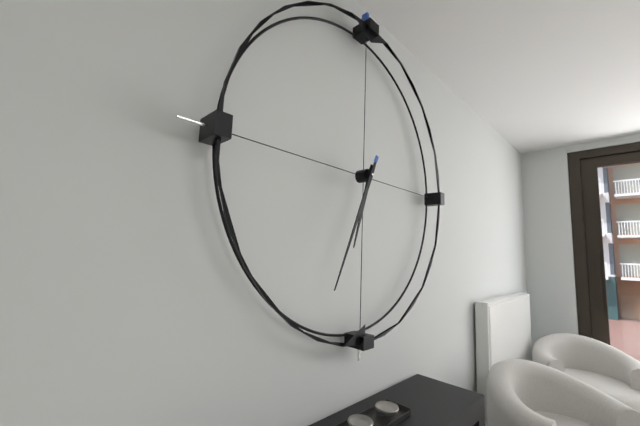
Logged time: 6:34
